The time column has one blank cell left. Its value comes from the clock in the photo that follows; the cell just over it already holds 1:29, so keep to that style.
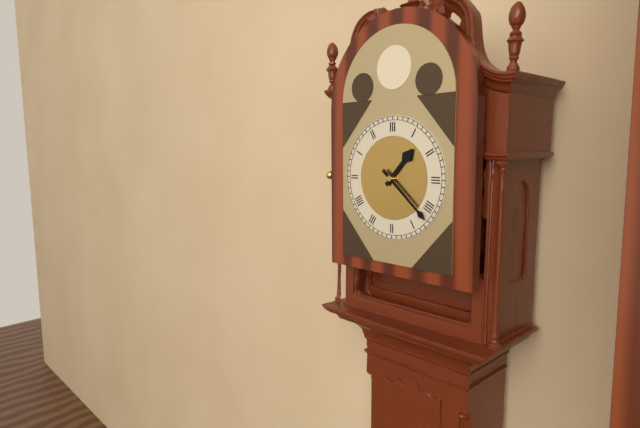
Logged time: 1:22
